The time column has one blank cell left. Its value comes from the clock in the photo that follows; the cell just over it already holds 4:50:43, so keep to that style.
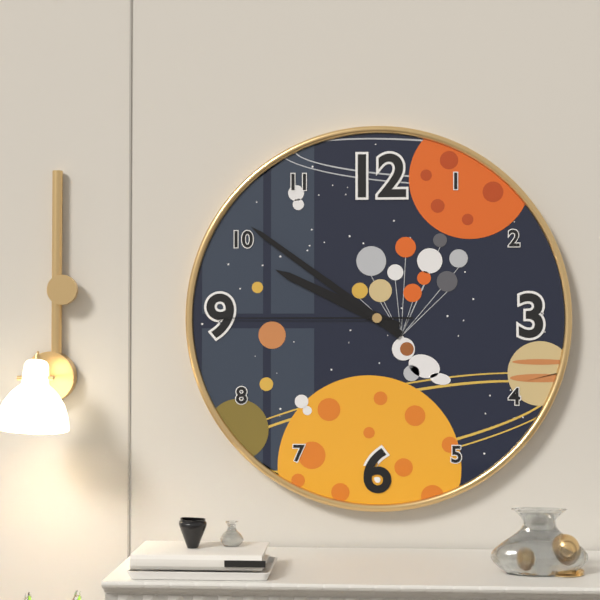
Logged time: 9:51:45
